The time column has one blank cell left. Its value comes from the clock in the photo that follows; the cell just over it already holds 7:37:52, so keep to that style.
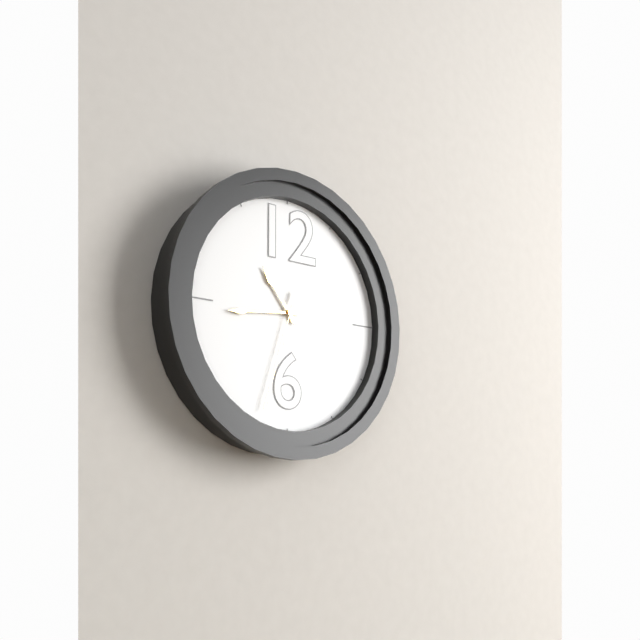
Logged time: 10:44:33
